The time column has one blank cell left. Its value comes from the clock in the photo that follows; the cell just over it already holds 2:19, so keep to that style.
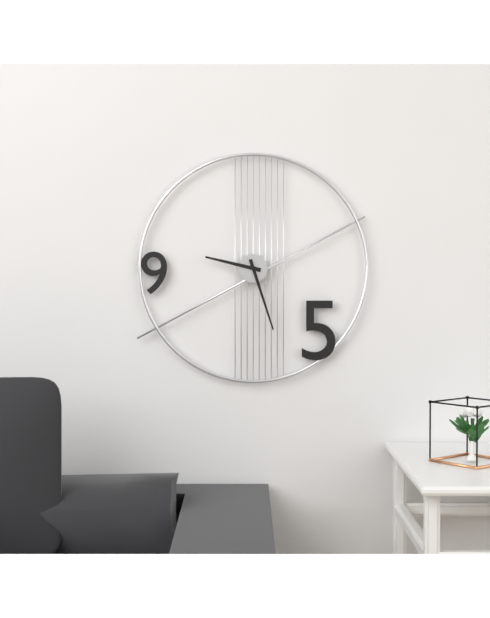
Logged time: 9:27
